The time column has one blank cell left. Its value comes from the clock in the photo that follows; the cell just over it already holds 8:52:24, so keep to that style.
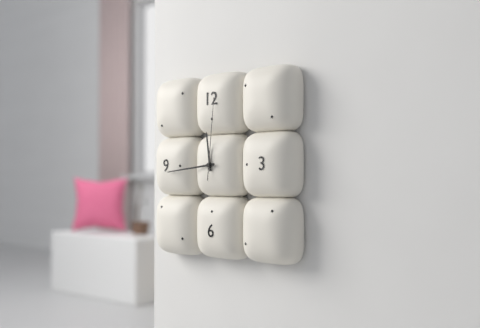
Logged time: 11:44:01
